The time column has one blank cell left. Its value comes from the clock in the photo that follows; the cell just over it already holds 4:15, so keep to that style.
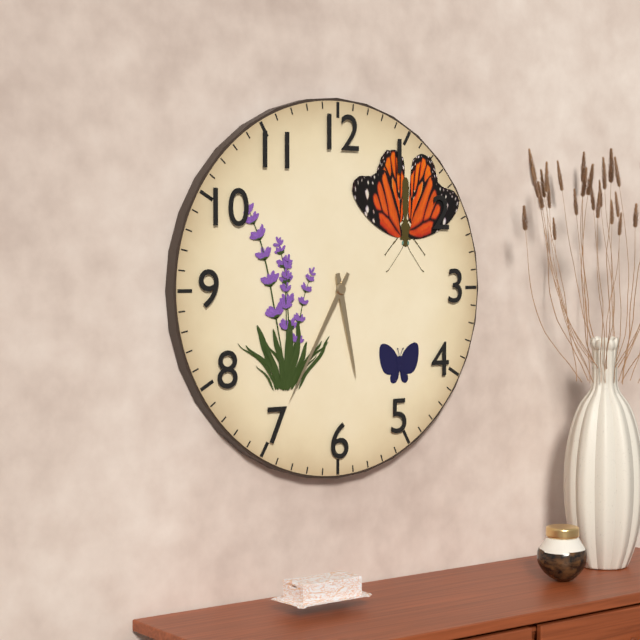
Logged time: 5:35
